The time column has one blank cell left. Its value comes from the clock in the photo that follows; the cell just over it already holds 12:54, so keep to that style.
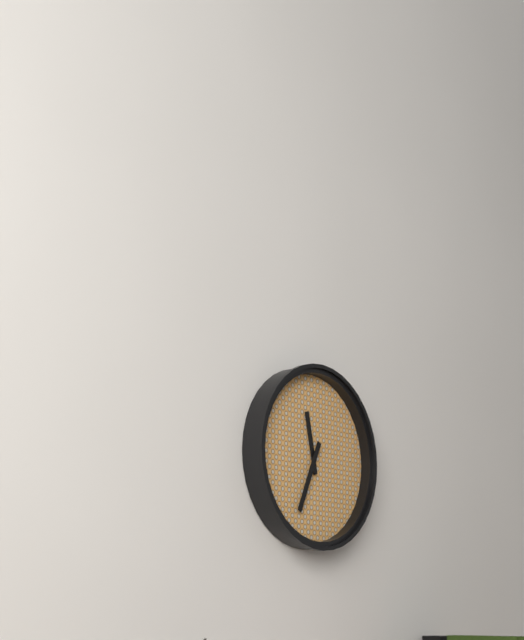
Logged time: 11:34
